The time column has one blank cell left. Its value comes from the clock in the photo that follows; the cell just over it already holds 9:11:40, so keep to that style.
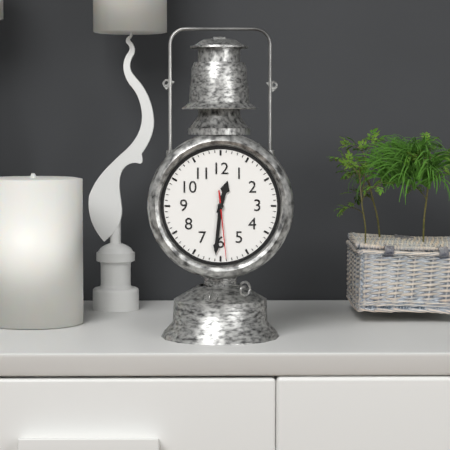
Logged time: 12:31:29
